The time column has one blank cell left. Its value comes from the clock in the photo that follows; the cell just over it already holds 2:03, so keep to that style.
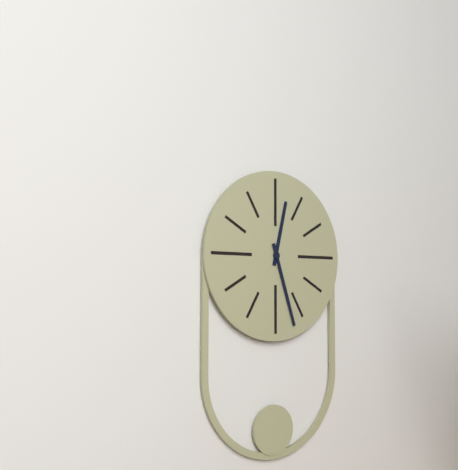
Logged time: 12:27
